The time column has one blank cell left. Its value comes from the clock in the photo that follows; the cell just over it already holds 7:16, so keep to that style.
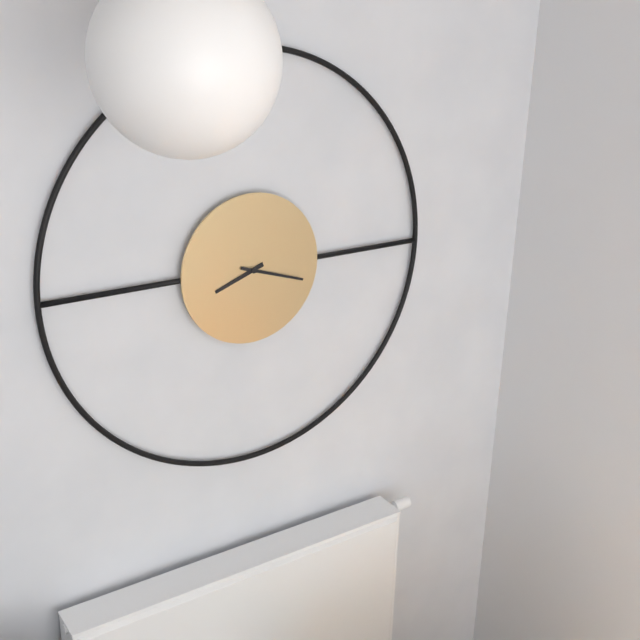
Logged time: 8:18
